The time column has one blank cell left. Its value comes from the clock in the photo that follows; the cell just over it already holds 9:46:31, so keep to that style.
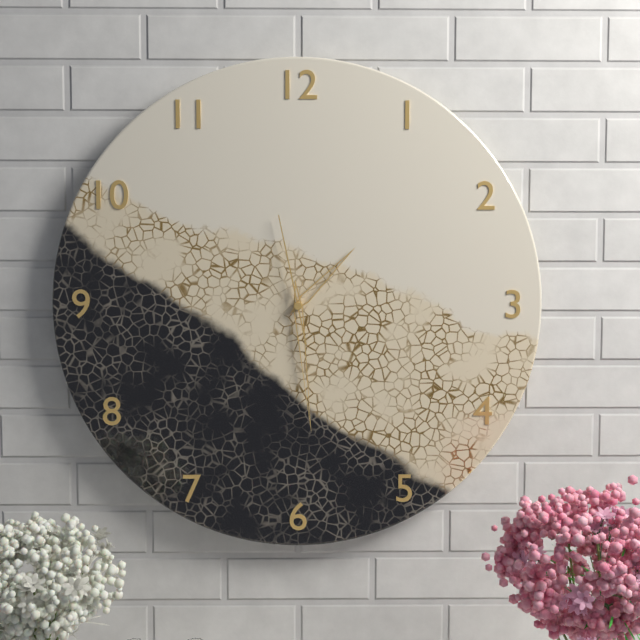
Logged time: 1:29:58
